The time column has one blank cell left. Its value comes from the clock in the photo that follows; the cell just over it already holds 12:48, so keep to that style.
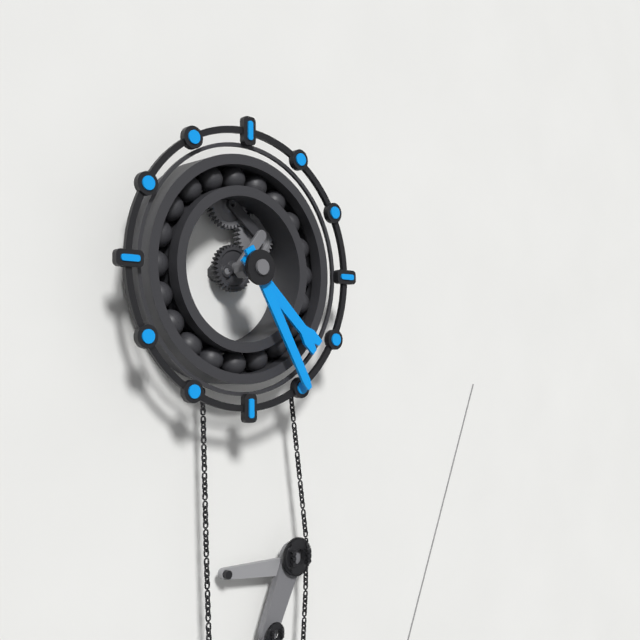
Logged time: 4:25
